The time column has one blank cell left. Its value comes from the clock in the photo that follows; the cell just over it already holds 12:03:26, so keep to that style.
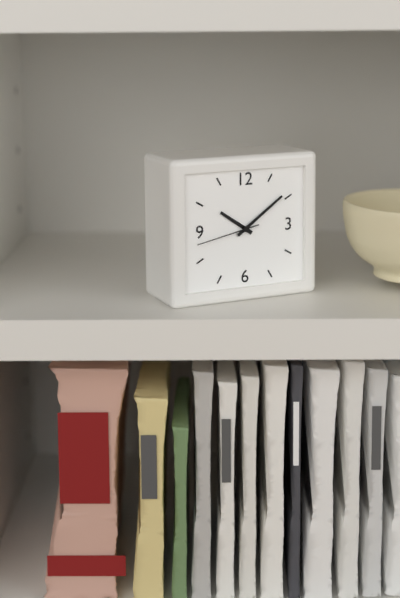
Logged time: 10:09:43
